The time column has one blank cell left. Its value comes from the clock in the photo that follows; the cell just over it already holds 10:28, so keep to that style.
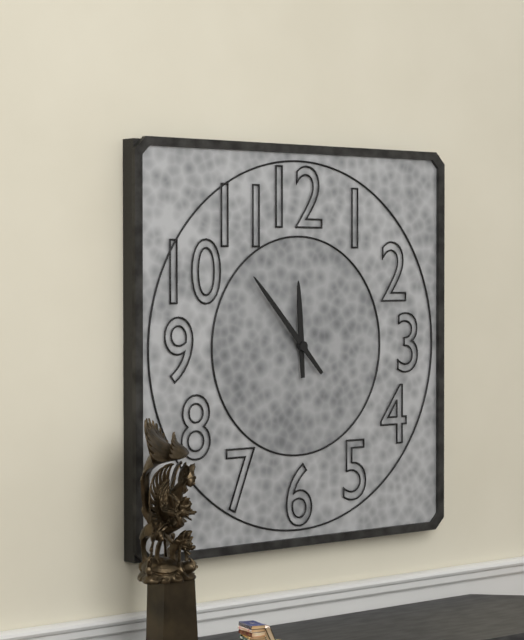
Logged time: 11:53
